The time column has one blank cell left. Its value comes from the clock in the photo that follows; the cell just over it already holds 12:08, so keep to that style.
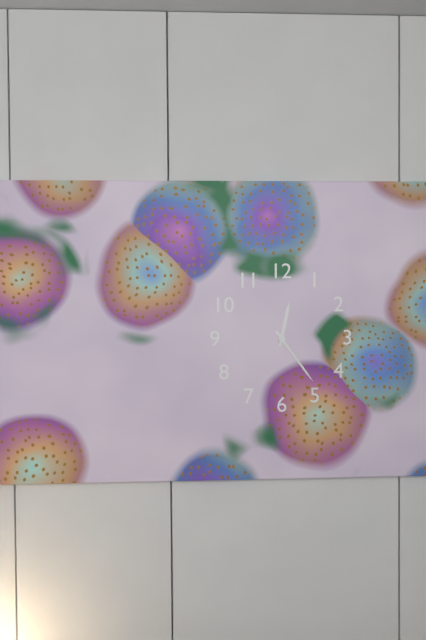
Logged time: 12:24
